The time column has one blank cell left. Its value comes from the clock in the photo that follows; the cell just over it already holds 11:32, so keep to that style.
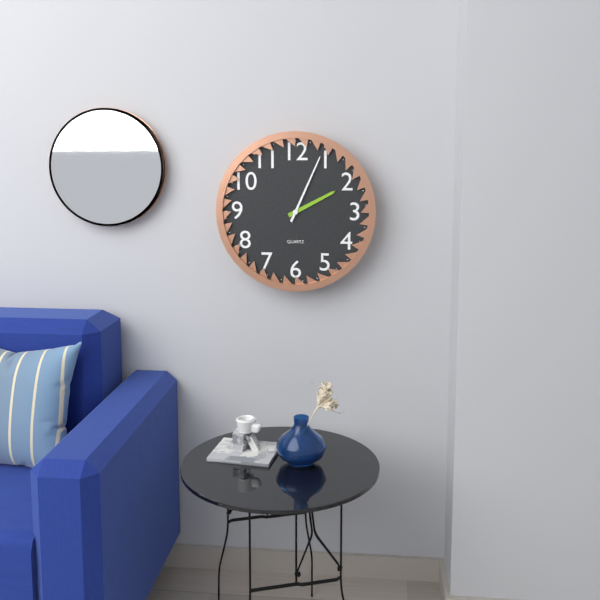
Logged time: 2:04
